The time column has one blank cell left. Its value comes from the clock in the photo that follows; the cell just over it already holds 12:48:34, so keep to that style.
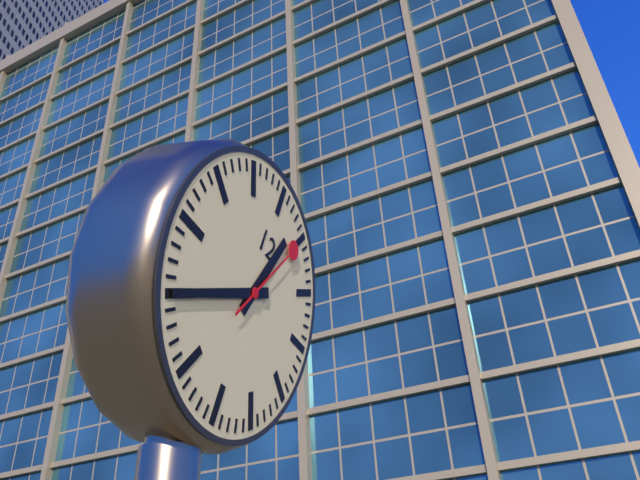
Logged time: 12:40:05
